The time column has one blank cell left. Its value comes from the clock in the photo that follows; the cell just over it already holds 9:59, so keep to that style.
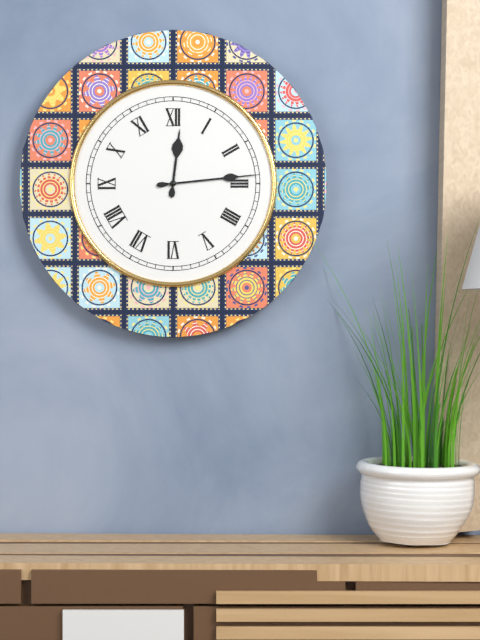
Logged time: 12:14
